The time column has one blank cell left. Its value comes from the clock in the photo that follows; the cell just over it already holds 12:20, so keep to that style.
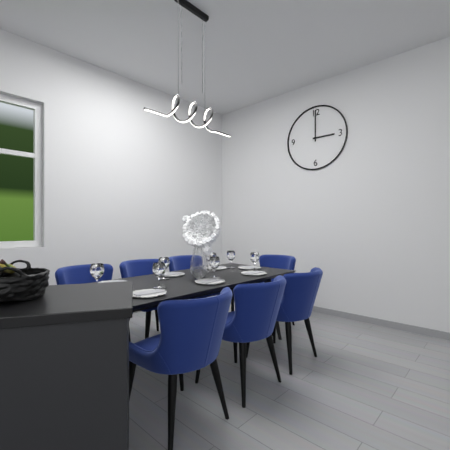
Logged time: 3:00
